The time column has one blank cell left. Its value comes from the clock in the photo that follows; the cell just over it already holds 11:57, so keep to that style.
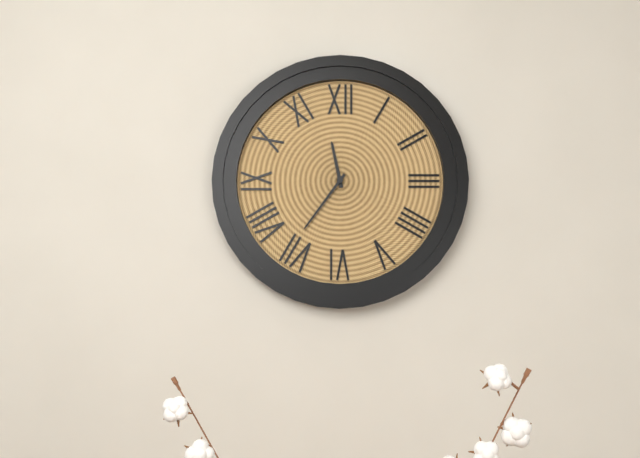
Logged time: 11:36
